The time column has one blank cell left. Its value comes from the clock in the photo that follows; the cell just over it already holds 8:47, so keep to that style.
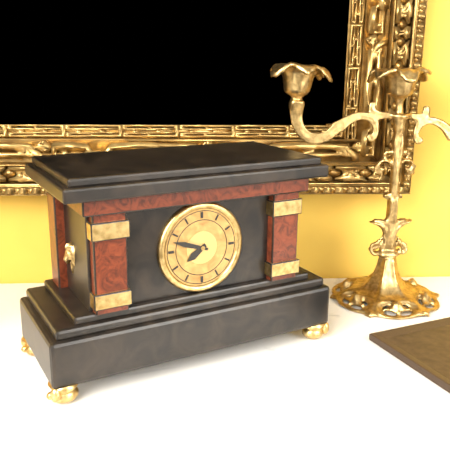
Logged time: 7:48
